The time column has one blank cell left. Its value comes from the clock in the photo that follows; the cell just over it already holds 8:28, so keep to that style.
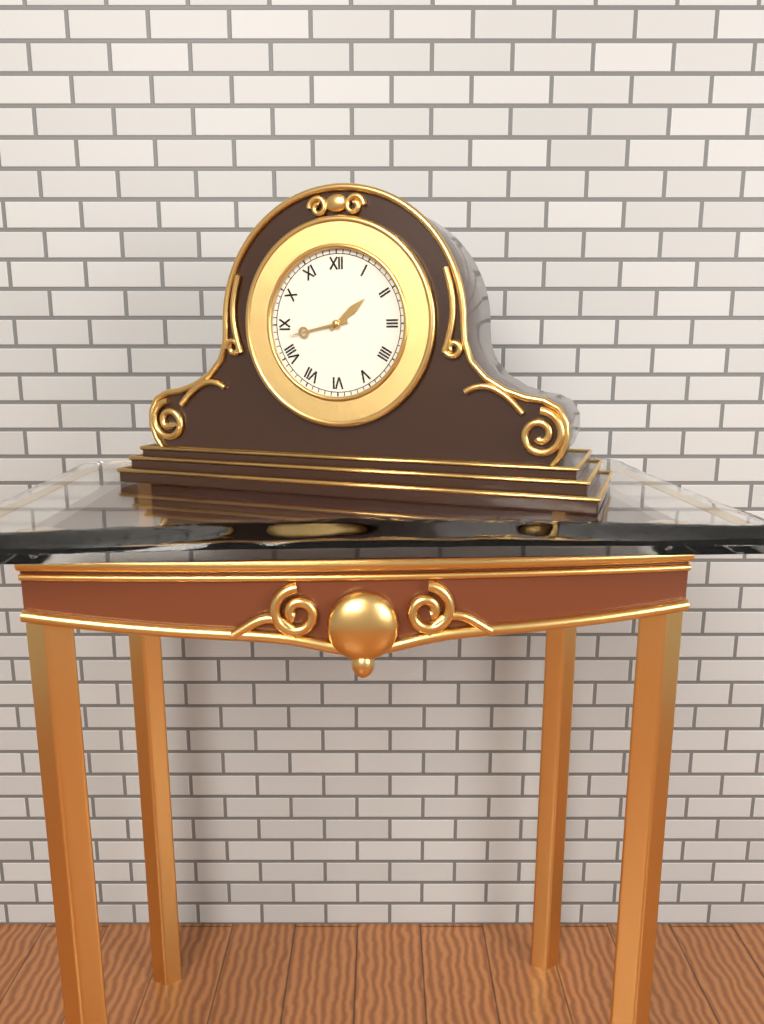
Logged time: 1:43
